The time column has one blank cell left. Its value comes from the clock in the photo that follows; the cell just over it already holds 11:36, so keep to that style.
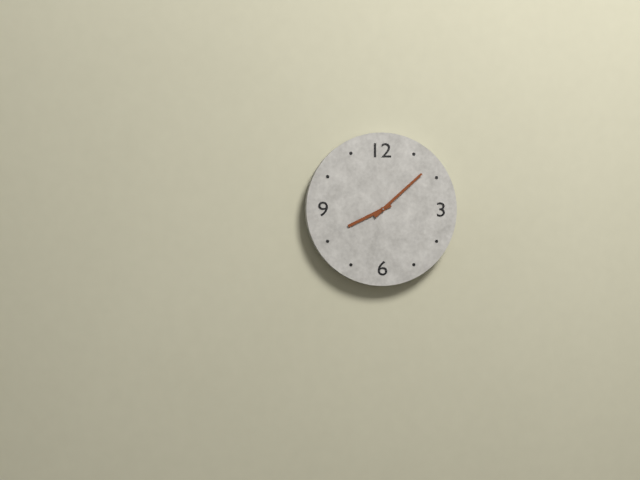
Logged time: 8:08
